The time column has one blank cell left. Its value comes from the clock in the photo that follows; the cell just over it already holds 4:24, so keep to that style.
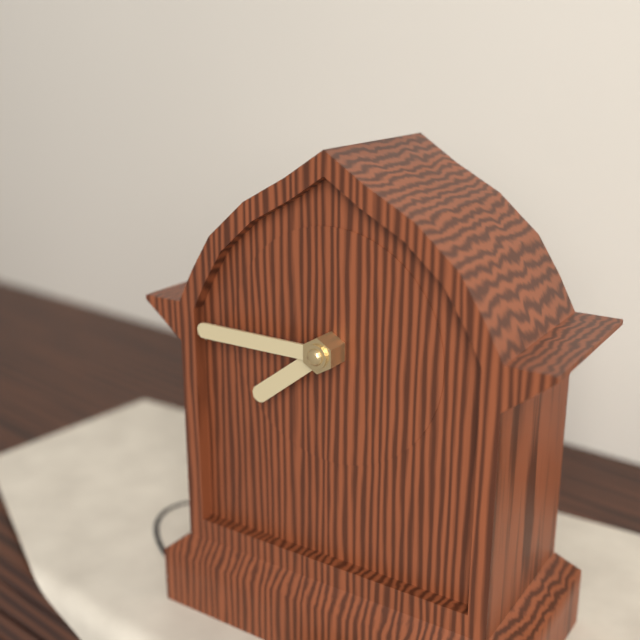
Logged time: 7:45
